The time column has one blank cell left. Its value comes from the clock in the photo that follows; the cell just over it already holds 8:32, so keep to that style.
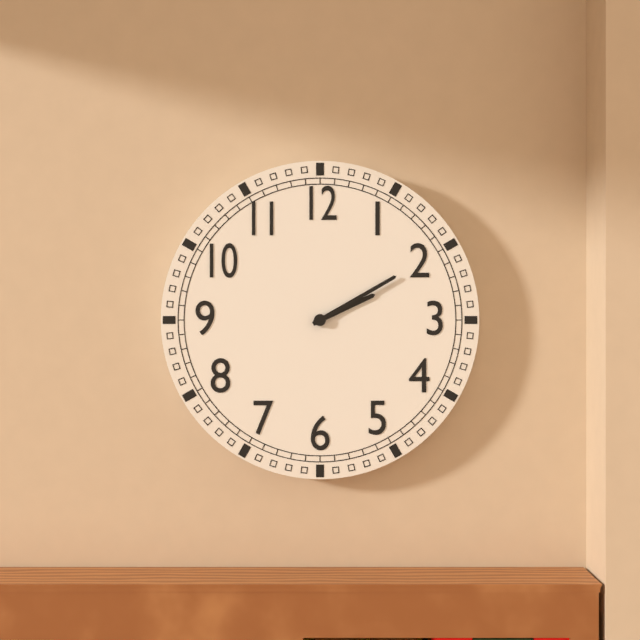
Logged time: 2:10
